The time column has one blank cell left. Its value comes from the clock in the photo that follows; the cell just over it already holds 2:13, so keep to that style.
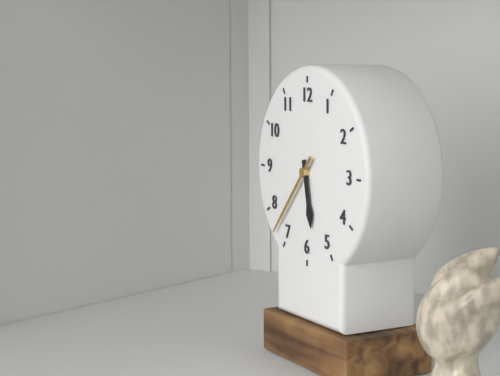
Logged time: 5:37
